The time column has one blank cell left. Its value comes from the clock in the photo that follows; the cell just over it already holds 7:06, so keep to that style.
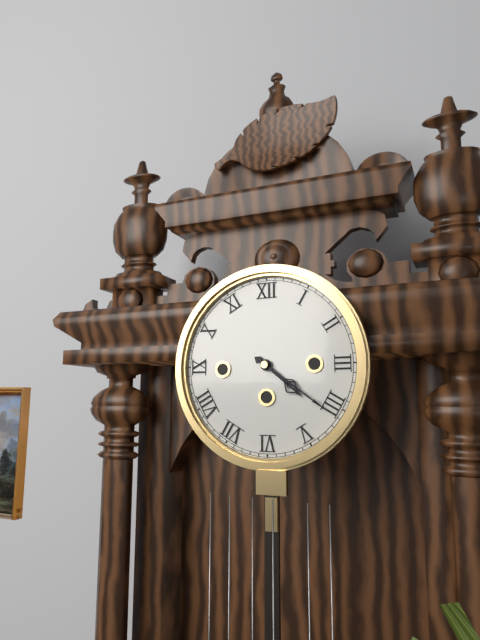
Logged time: 4:21
